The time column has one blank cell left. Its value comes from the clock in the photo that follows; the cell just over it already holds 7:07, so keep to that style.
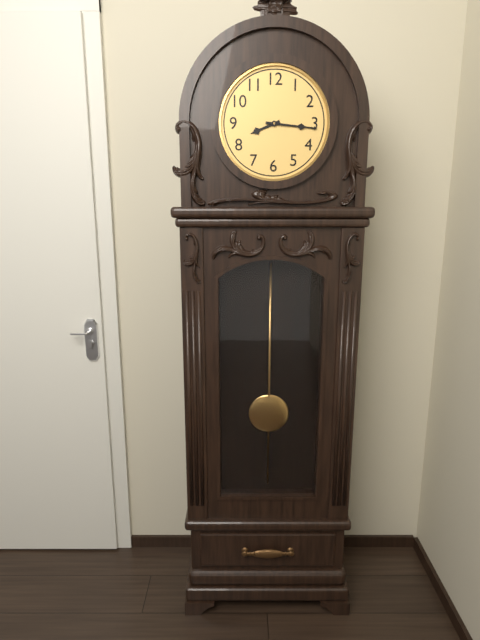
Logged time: 8:16
